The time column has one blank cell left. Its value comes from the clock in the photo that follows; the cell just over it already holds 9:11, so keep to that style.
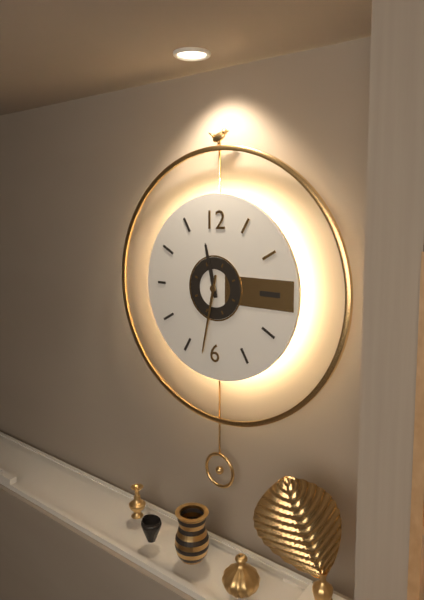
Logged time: 11:32
